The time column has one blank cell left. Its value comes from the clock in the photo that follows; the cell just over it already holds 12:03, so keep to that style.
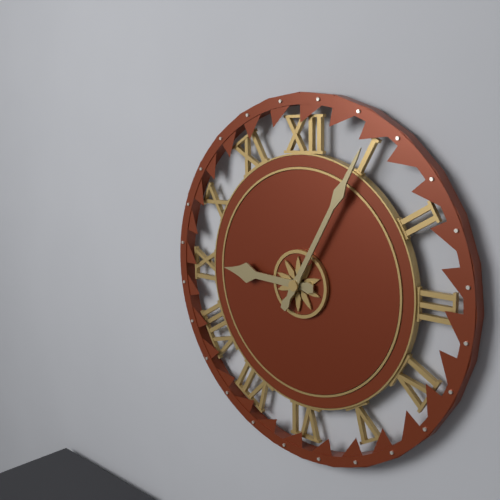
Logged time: 9:05
